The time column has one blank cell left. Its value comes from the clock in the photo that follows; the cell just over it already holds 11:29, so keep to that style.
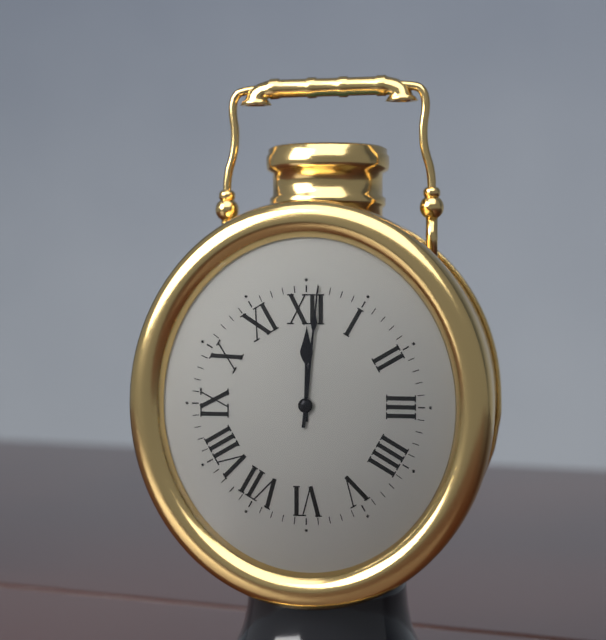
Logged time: 12:01
